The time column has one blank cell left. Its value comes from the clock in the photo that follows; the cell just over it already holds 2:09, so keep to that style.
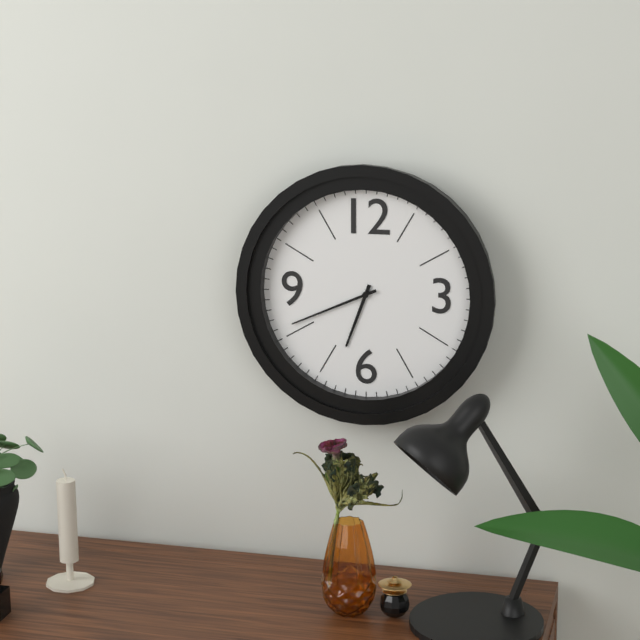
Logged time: 6:41
